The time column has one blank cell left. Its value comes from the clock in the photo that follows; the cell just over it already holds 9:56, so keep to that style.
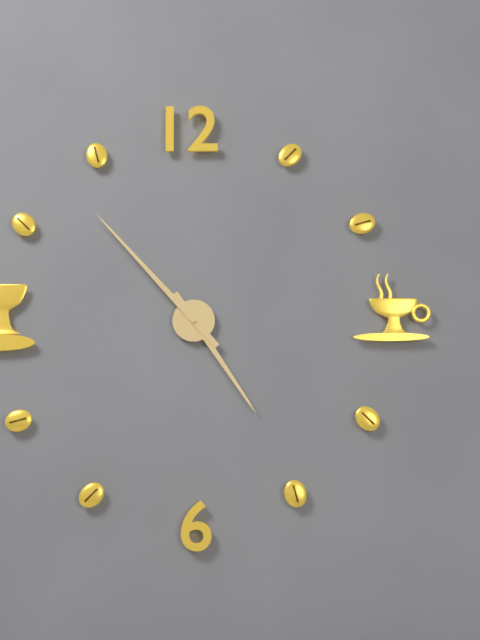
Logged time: 4:53
